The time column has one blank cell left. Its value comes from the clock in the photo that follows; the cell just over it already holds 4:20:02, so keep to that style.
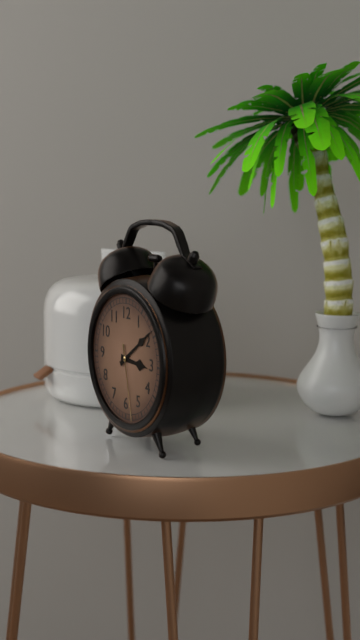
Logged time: 3:09:28
